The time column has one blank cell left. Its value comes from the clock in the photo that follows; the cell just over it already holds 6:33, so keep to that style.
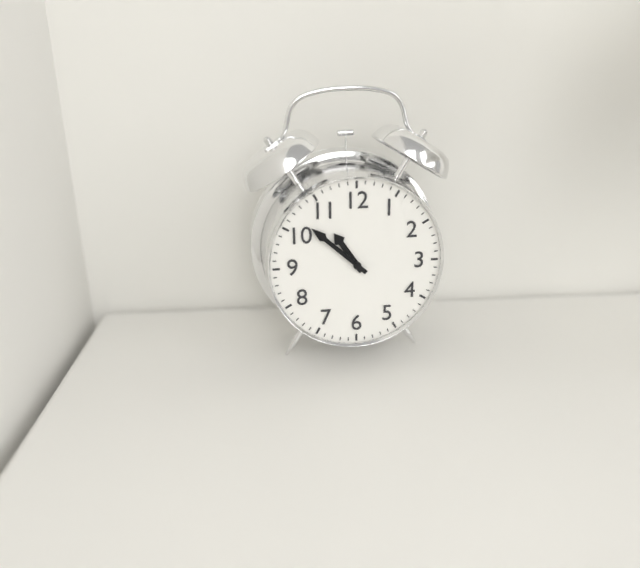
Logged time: 10:52
